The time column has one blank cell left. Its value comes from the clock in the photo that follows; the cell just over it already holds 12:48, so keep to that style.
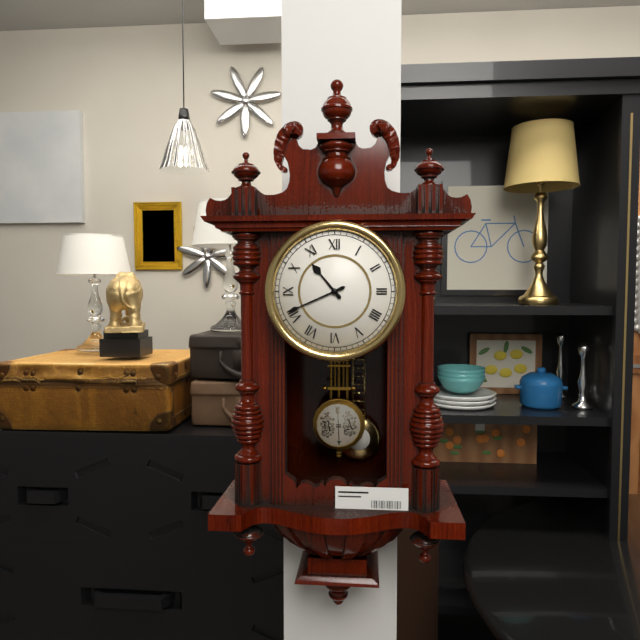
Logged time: 10:41
